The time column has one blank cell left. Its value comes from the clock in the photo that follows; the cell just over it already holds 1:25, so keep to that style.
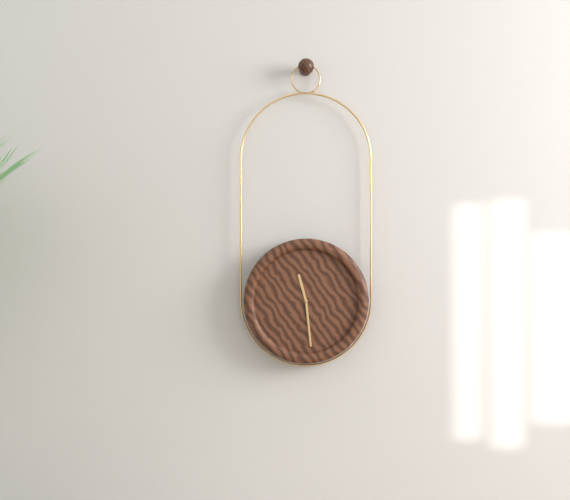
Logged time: 11:29
